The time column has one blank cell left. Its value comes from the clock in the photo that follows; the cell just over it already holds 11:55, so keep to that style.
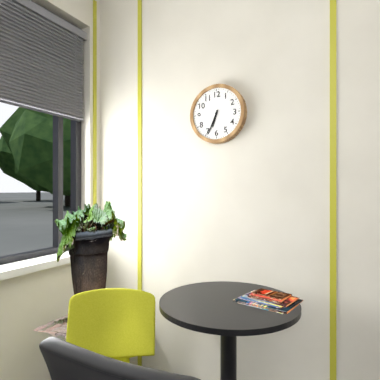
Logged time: 6:34
